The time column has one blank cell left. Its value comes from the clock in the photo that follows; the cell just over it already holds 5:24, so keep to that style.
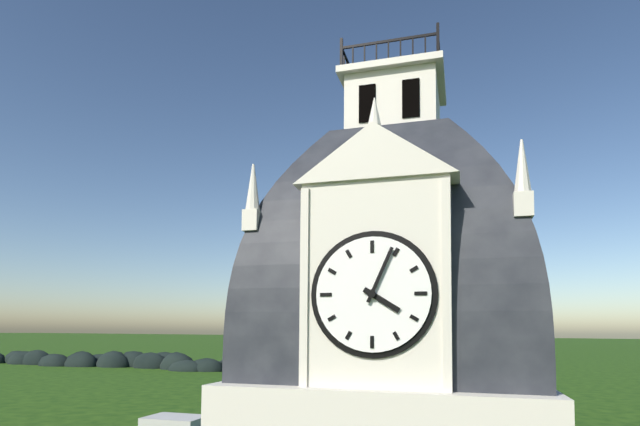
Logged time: 4:04
